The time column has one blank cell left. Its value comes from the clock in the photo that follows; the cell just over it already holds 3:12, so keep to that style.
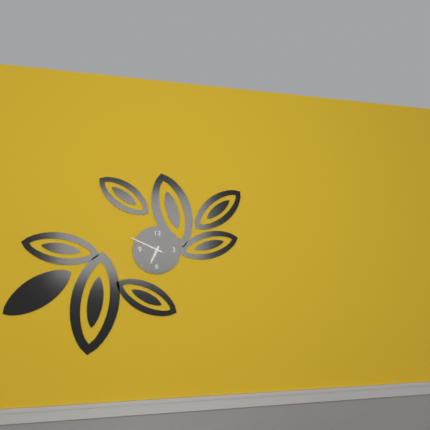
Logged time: 6:49
